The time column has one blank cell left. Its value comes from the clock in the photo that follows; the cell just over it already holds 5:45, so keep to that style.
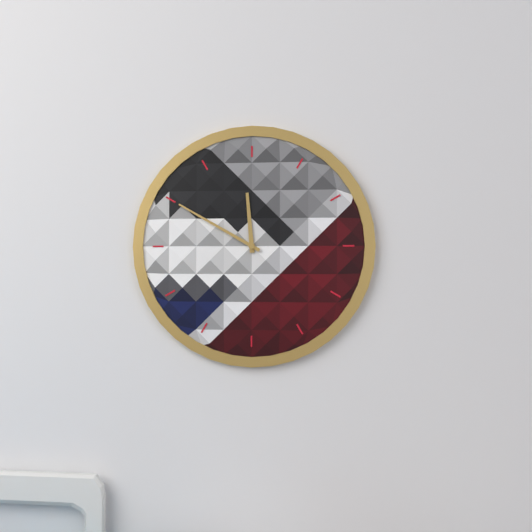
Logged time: 11:50
